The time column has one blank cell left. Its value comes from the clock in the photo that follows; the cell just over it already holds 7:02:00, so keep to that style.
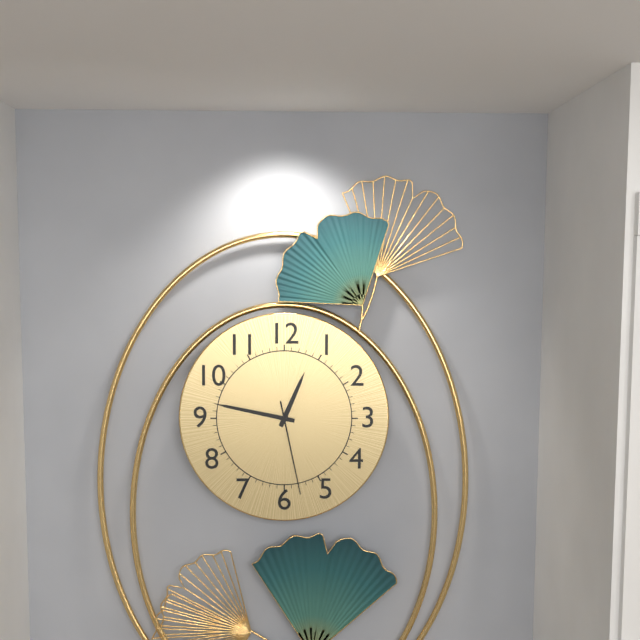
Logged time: 12:47:28
